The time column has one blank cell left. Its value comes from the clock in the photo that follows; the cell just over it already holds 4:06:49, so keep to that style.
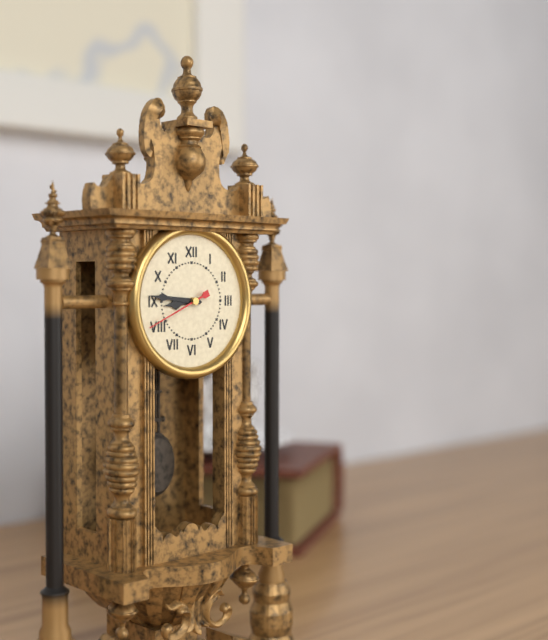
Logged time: 8:46:41
